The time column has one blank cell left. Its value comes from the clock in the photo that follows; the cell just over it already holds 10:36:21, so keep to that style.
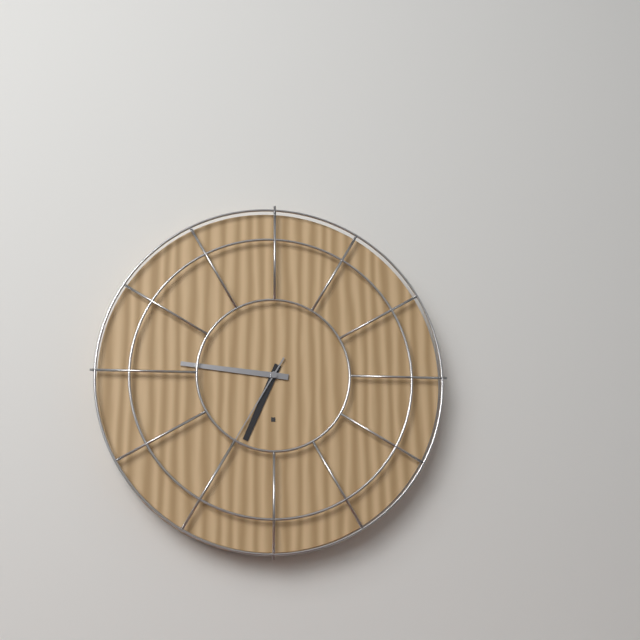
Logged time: 6:46:35
